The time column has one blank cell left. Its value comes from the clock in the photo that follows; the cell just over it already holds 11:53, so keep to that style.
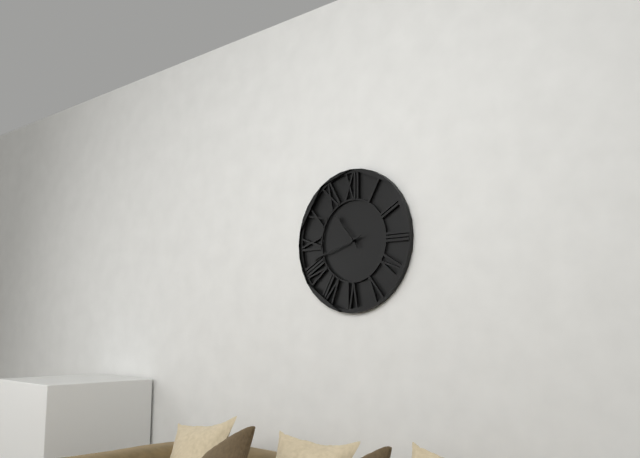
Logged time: 10:42
